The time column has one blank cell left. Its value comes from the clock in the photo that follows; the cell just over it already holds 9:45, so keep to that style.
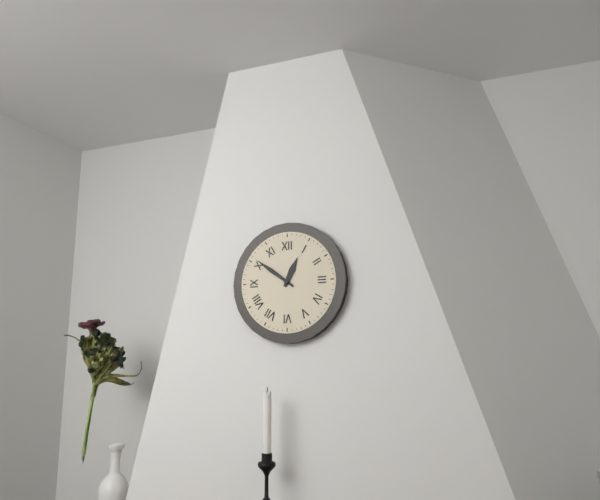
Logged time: 12:51
